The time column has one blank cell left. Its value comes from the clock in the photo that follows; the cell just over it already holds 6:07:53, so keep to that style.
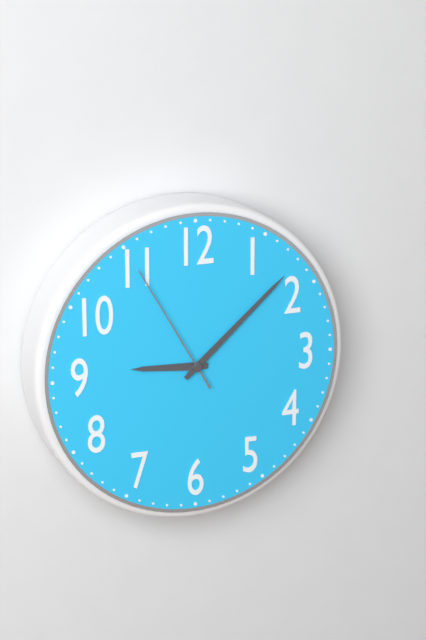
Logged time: 9:08:55
